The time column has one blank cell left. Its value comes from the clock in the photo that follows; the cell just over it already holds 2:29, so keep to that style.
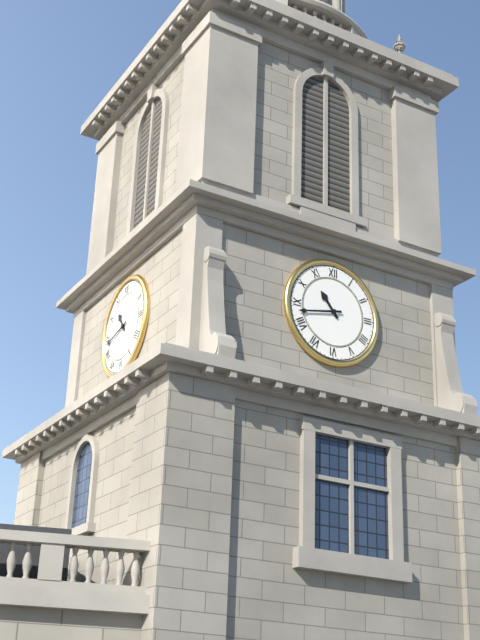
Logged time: 10:43
